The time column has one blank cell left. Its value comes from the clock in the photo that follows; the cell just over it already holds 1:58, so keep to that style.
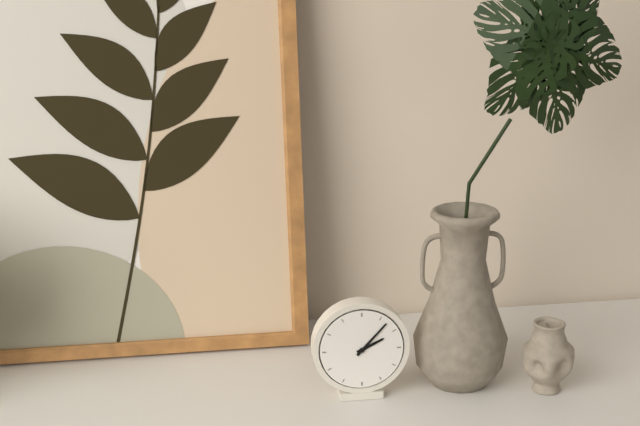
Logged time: 2:07
